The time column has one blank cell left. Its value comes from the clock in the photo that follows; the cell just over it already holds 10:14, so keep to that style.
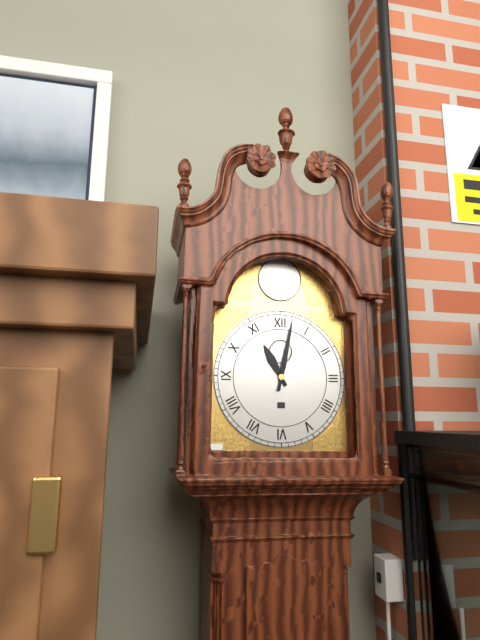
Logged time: 11:02
